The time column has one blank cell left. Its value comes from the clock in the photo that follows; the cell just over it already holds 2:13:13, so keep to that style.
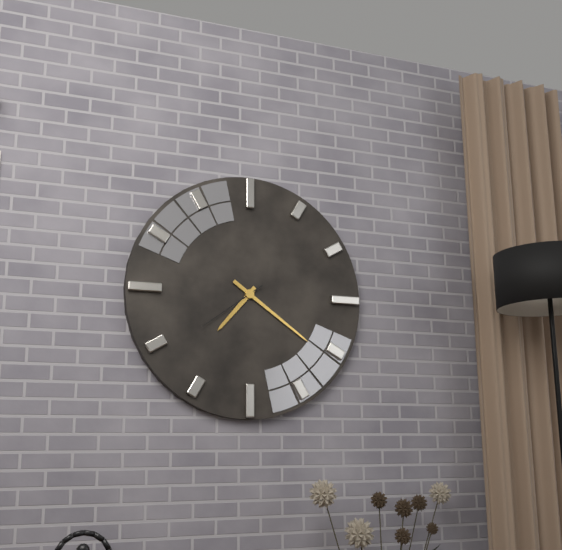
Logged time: 7:21:39
